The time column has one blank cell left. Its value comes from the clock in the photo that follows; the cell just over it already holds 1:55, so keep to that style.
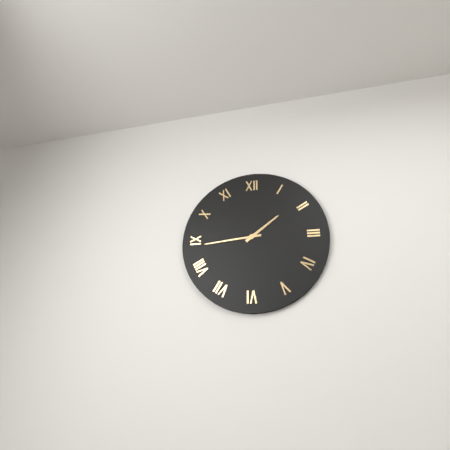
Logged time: 1:44
